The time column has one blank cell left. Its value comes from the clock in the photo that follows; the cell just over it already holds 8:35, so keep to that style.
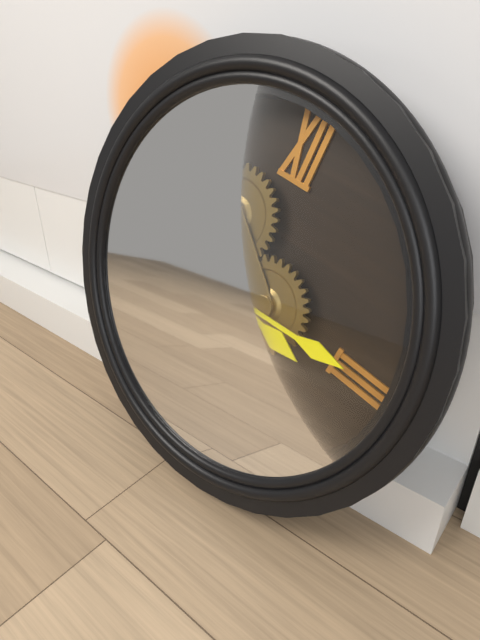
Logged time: 3:14
